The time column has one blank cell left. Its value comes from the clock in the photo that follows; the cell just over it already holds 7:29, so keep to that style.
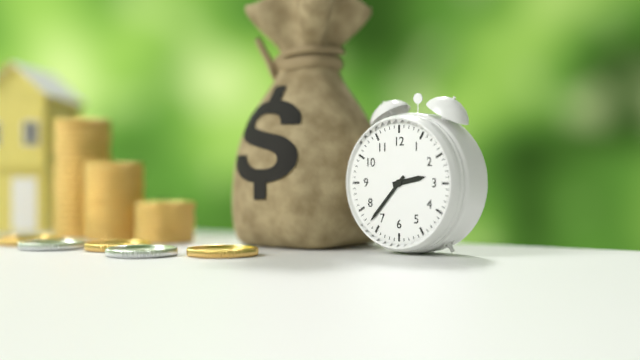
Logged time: 2:37
